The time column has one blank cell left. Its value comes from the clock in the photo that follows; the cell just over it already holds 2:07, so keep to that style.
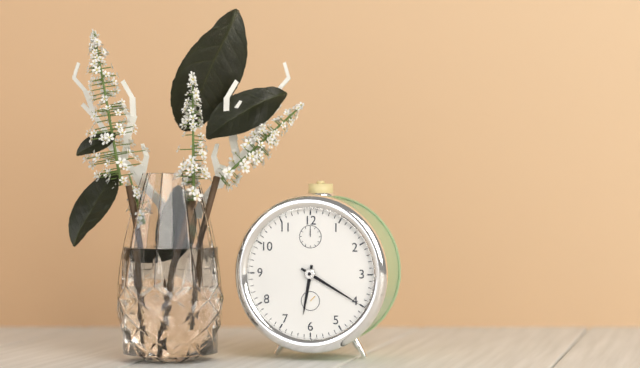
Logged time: 6:20
